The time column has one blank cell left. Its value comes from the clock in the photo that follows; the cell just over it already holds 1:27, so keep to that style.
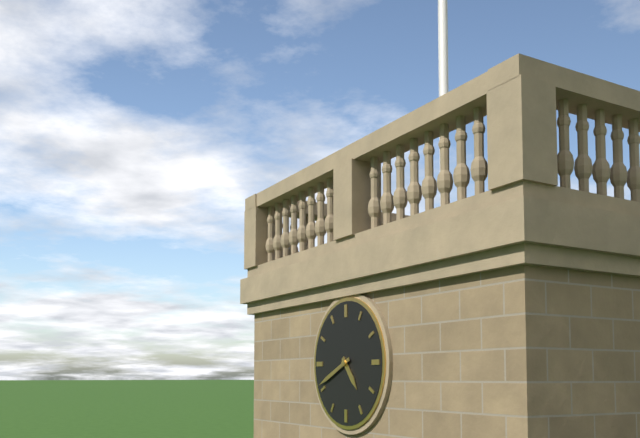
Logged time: 4:41
